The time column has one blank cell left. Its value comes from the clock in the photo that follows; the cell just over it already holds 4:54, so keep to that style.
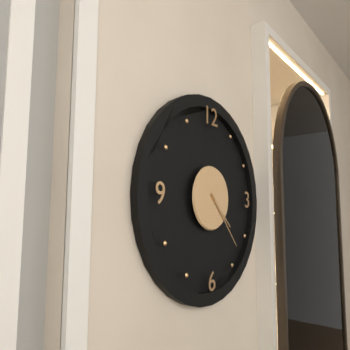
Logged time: 4:23
